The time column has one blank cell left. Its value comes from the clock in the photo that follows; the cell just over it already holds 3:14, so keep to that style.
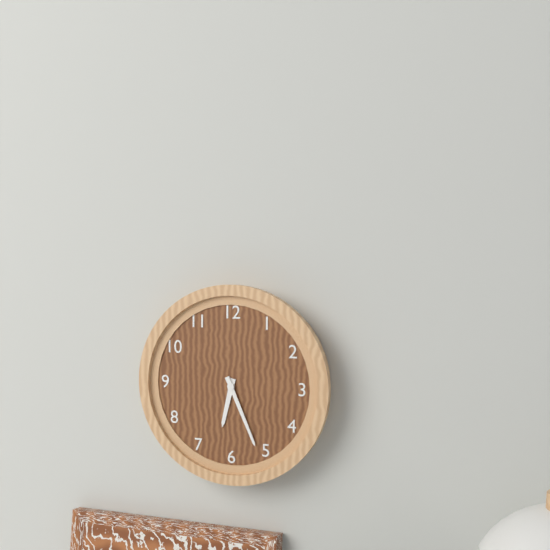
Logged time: 6:26
